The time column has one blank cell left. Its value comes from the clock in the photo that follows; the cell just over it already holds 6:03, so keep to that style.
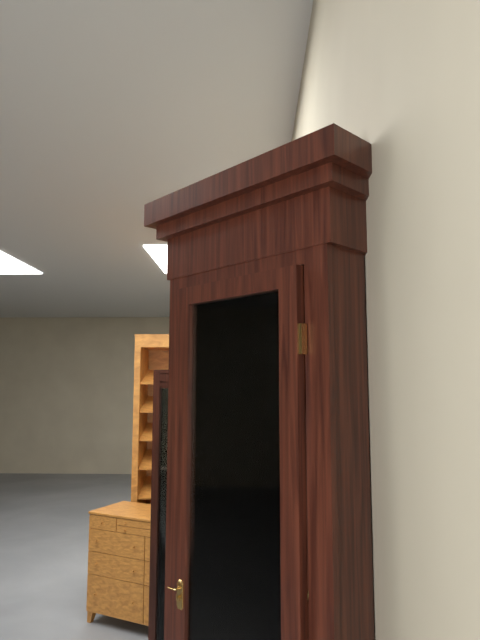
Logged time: 10:42
